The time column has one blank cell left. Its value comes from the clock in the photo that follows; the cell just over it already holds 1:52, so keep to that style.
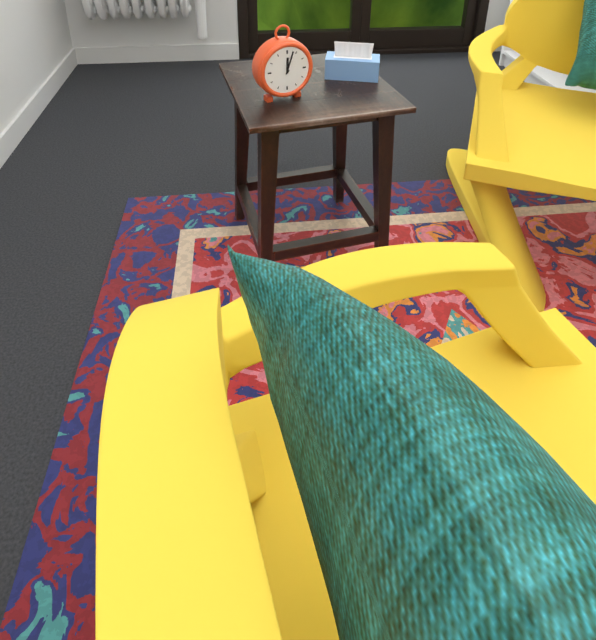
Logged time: 12:03
